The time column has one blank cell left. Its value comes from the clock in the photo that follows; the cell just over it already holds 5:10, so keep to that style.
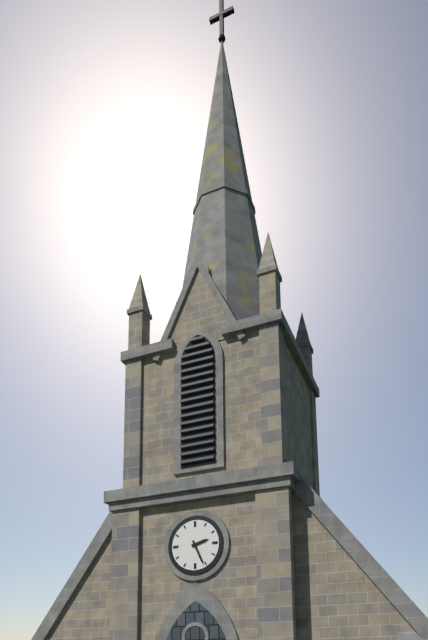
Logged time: 2:26
